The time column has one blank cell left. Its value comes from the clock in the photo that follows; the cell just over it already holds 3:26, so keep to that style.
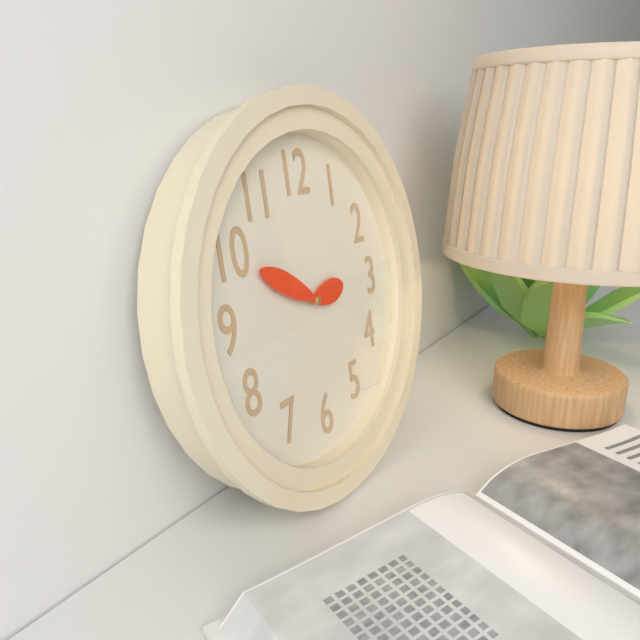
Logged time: 2:50
